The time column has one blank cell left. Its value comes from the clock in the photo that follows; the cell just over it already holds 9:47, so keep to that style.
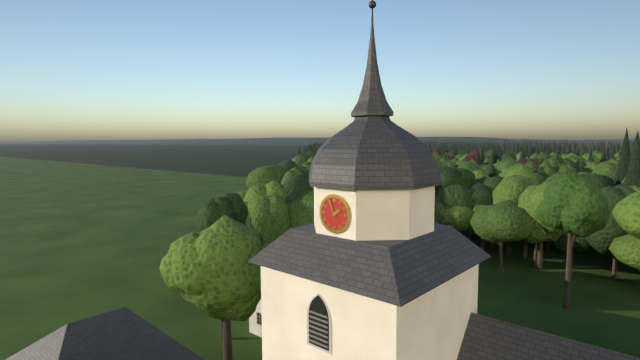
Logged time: 1:56
